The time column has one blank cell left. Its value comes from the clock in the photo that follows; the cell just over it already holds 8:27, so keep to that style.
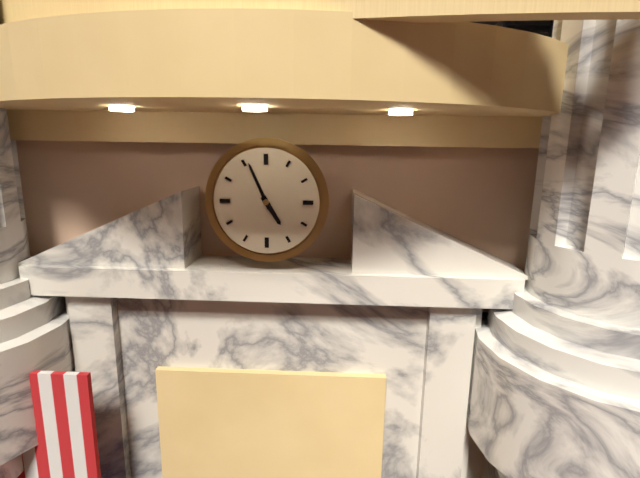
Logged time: 4:56
